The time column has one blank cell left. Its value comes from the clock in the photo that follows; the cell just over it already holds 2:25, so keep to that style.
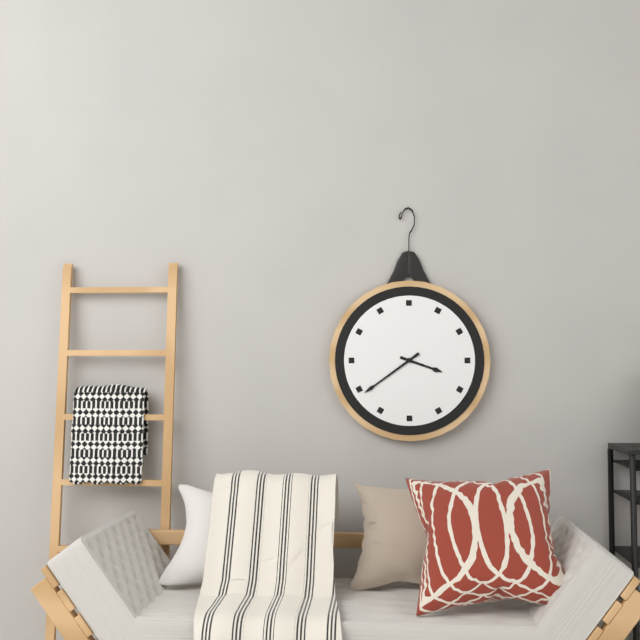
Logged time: 3:39
